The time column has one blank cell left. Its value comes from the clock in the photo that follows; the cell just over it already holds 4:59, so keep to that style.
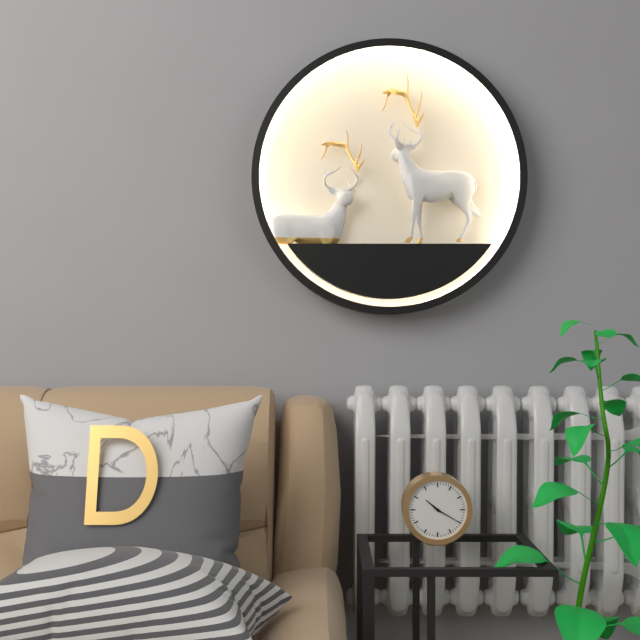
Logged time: 10:20
